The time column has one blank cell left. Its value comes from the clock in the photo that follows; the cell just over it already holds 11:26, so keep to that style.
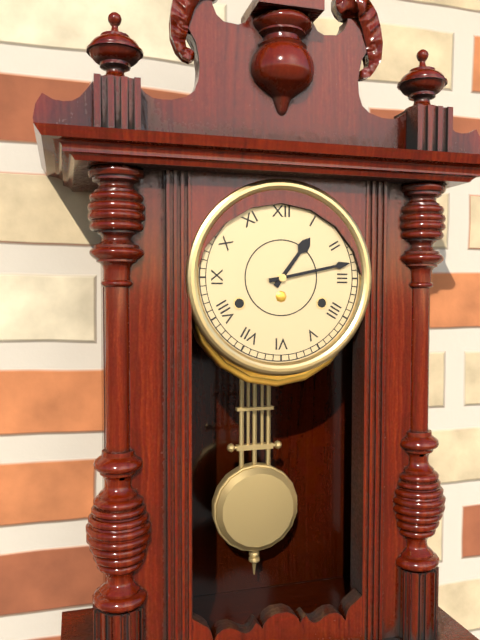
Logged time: 1:13
